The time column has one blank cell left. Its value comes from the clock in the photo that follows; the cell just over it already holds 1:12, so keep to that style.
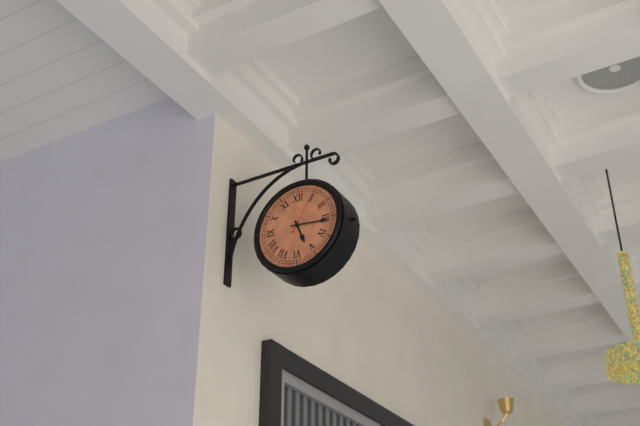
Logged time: 5:16
